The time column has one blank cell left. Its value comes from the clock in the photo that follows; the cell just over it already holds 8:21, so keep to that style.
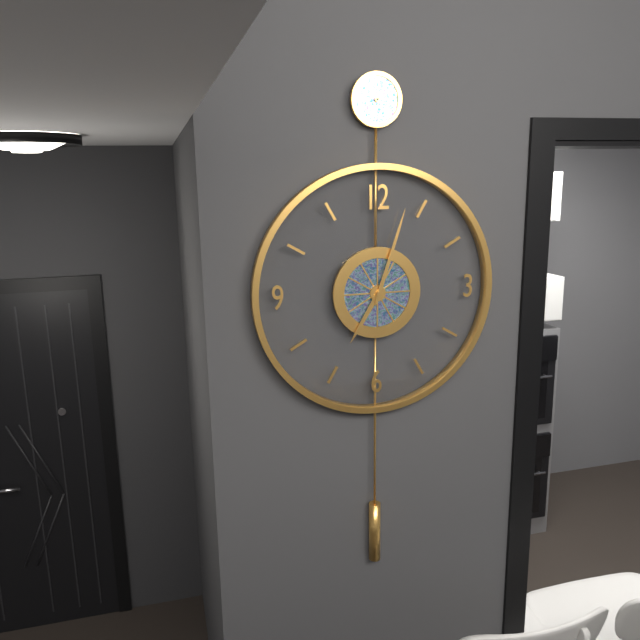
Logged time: 7:03
